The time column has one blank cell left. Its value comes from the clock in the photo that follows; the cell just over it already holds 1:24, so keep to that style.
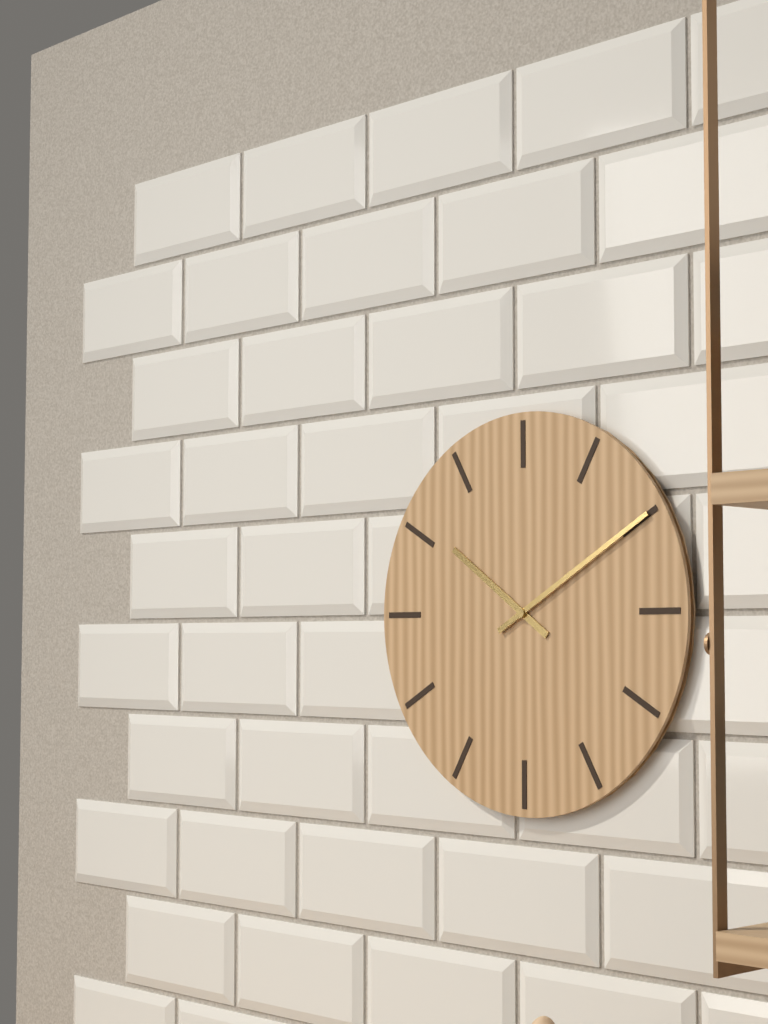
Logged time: 10:10
